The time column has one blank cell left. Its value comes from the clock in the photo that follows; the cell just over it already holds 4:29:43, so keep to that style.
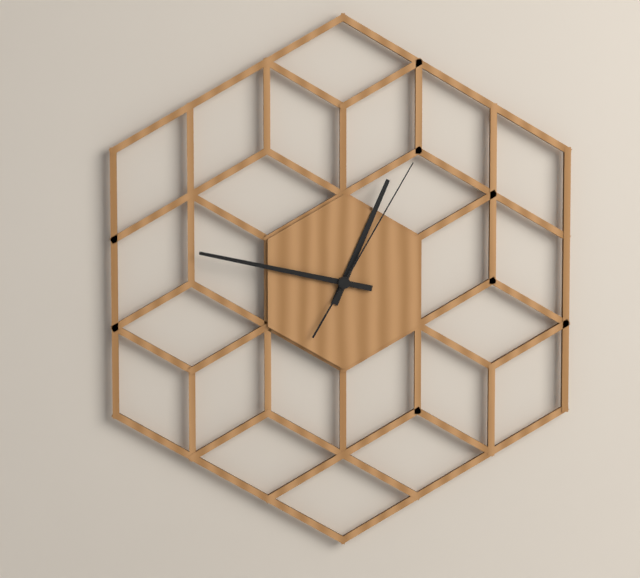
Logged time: 12:47:05
